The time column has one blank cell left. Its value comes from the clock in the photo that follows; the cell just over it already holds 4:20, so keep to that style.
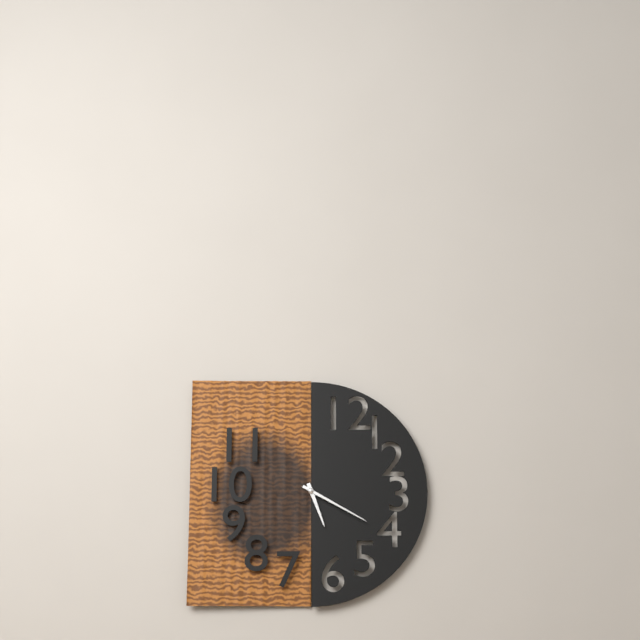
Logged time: 5:20
